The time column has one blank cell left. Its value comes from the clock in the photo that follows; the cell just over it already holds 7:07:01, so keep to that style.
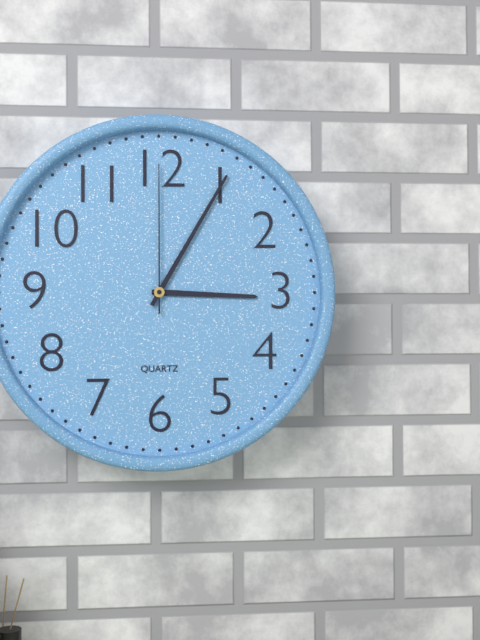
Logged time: 3:05:00
